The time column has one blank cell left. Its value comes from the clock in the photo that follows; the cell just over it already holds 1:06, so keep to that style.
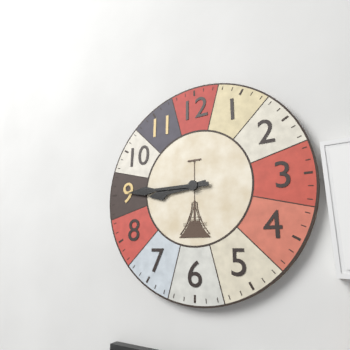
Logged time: 8:45
